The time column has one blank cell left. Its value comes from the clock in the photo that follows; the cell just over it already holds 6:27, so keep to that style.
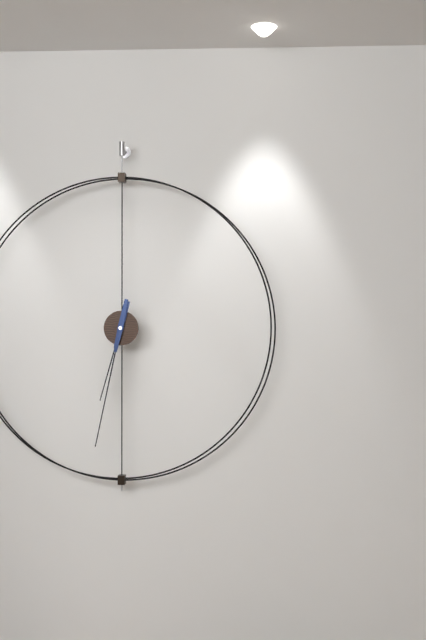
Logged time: 6:32
